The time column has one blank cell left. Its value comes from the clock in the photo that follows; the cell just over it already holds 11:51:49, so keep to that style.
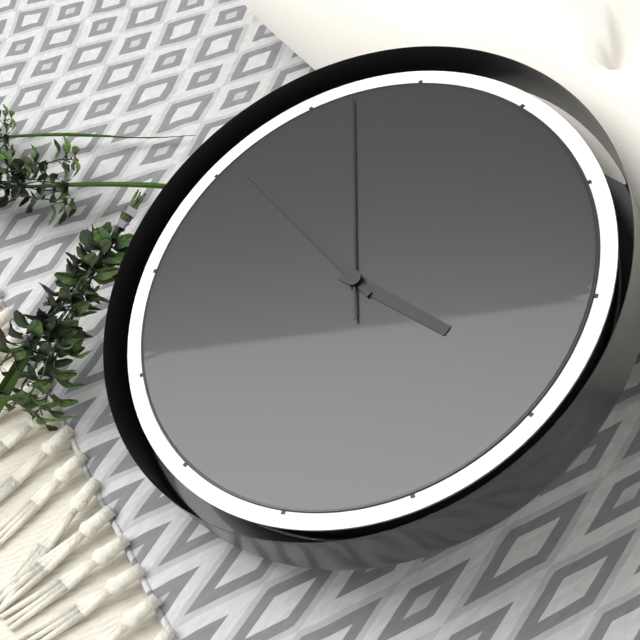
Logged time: 2:46:52
